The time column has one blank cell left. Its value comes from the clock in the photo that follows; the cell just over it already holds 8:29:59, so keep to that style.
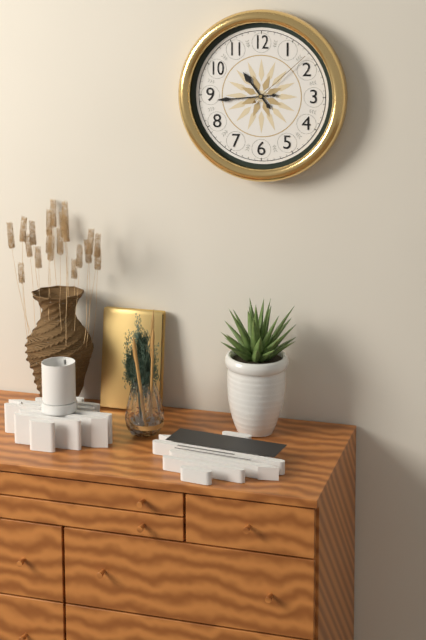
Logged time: 10:44:08
